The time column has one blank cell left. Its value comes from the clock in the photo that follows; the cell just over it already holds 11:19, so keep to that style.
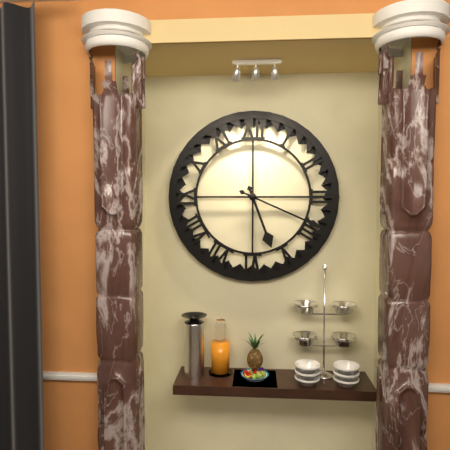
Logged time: 5:19
